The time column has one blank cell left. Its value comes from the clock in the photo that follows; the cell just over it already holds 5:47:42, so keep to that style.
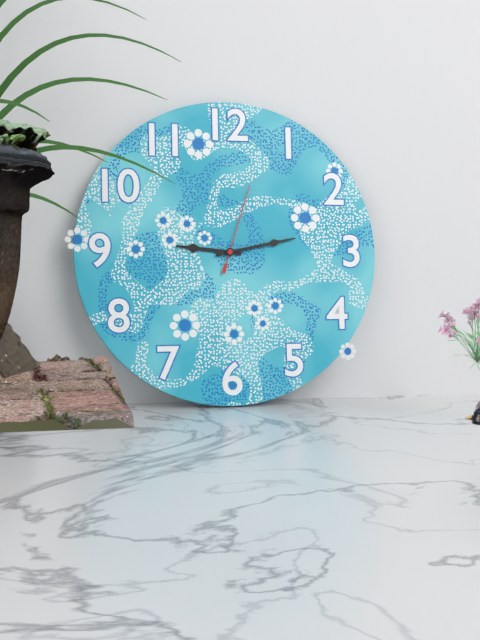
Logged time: 9:13:03
